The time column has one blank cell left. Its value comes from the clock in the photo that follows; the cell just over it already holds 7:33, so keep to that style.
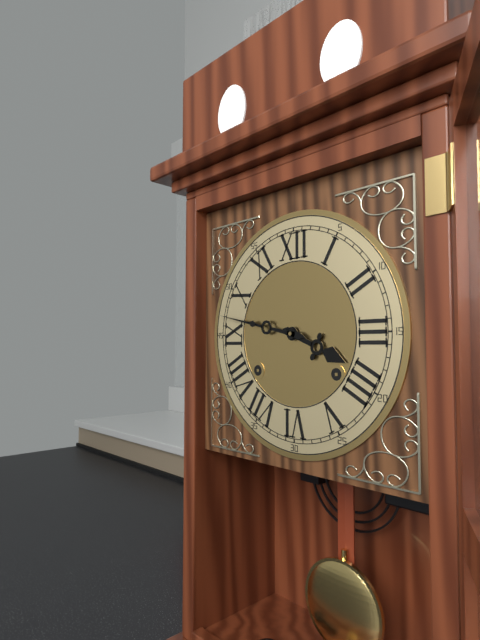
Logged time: 3:47
